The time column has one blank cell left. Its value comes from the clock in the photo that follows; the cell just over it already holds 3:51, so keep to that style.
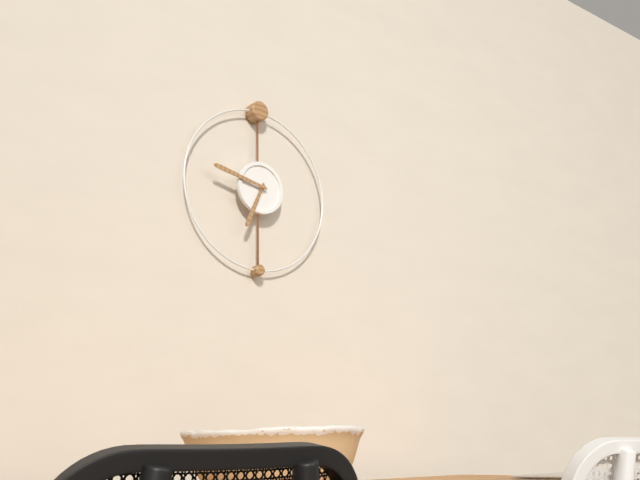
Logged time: 6:47
